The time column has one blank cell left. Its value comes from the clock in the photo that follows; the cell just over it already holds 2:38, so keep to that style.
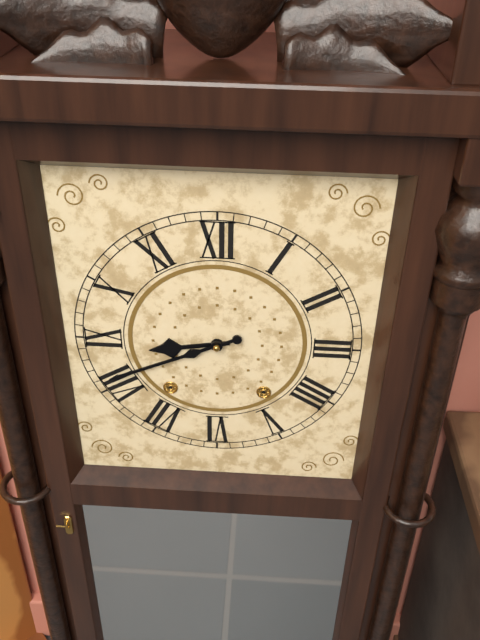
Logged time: 8:41
